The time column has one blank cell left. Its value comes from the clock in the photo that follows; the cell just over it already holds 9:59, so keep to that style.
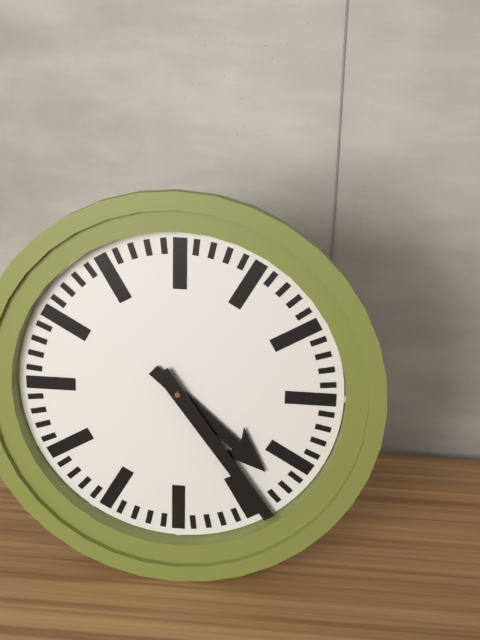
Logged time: 4:24
